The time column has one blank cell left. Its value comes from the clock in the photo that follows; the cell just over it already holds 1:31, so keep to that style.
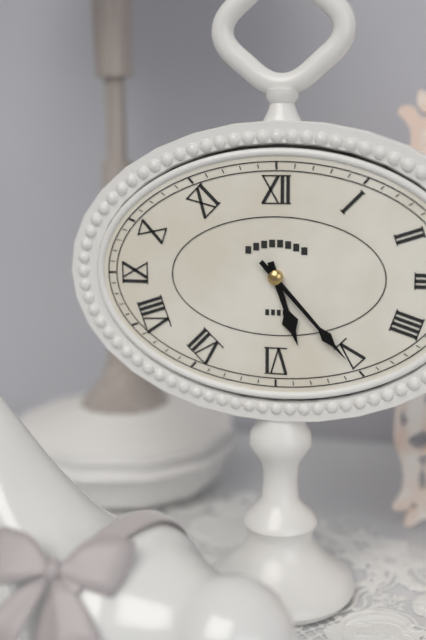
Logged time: 5:23
